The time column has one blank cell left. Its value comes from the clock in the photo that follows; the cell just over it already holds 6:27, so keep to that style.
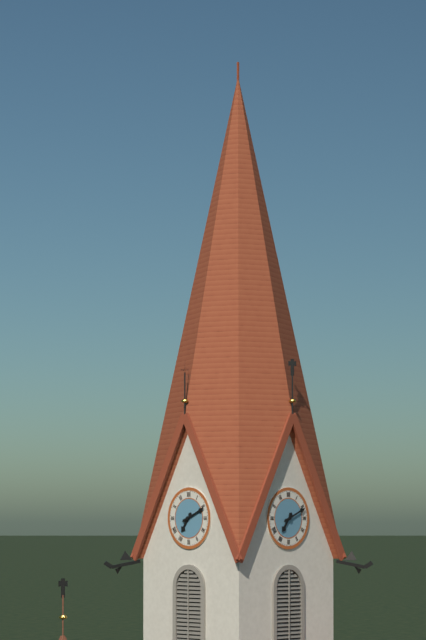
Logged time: 7:11
